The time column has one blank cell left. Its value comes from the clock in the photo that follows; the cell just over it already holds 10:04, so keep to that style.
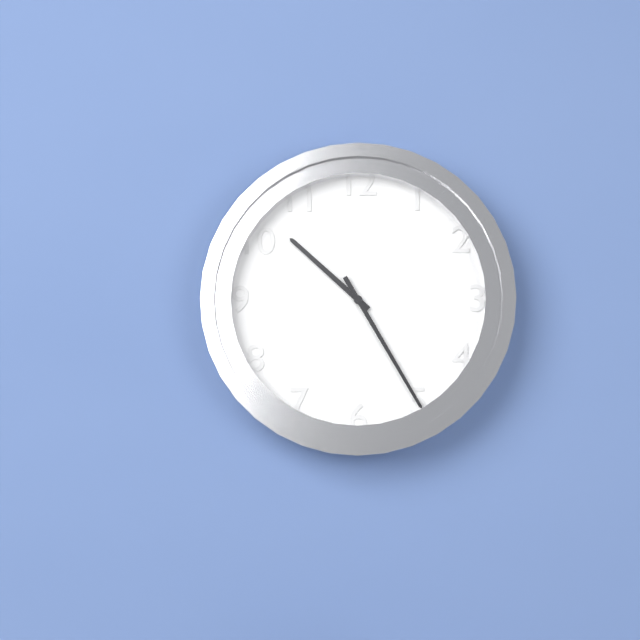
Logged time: 10:25
